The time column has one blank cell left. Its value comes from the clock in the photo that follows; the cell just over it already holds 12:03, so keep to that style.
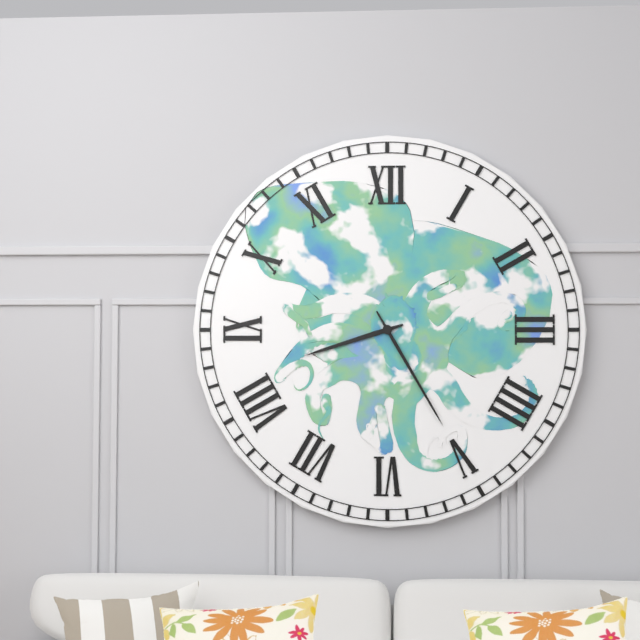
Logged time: 8:25
